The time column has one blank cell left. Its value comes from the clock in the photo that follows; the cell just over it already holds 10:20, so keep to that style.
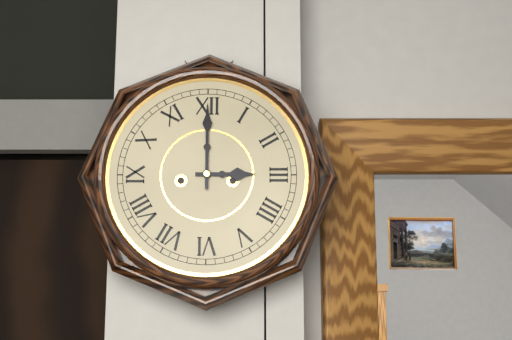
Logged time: 3:00
